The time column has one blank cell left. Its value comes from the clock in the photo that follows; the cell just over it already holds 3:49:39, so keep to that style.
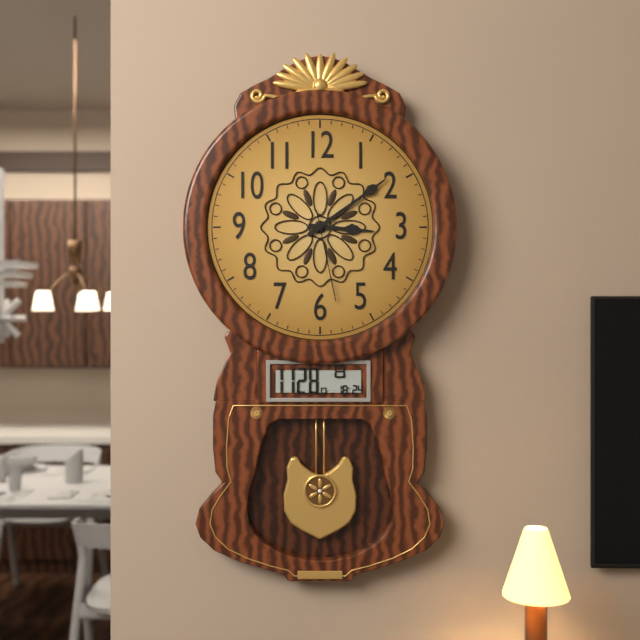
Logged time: 3:09:28
